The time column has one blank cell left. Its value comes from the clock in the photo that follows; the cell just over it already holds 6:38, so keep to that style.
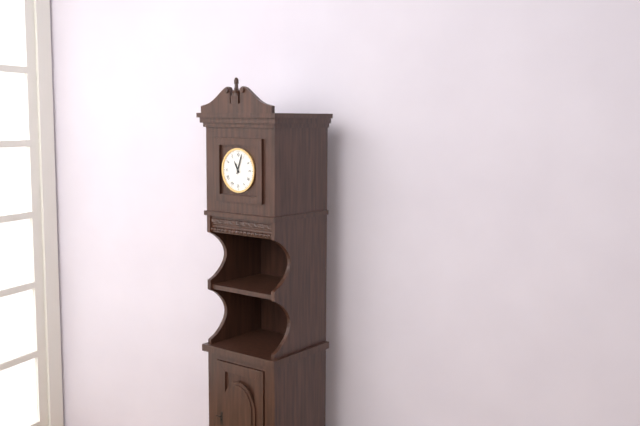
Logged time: 11:03
